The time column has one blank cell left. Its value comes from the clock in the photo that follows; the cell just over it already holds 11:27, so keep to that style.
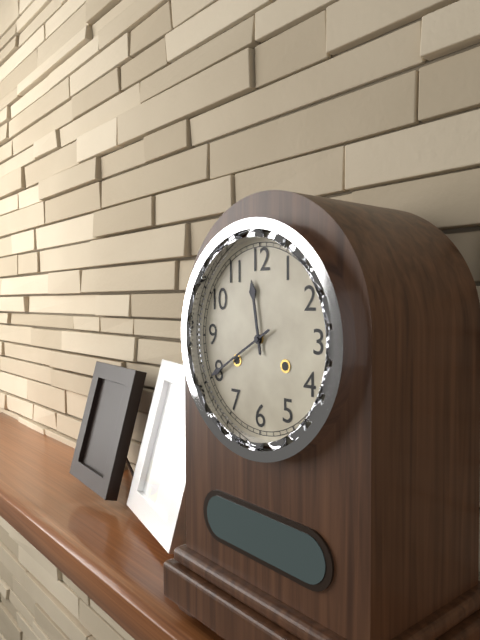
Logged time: 11:40
